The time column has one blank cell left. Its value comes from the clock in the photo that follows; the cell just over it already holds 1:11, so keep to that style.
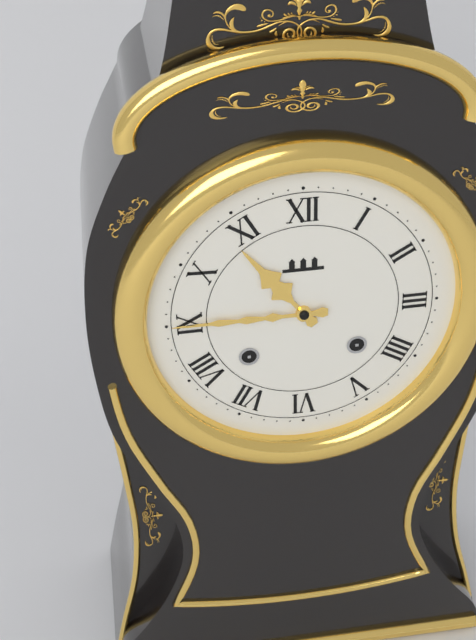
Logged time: 10:45
